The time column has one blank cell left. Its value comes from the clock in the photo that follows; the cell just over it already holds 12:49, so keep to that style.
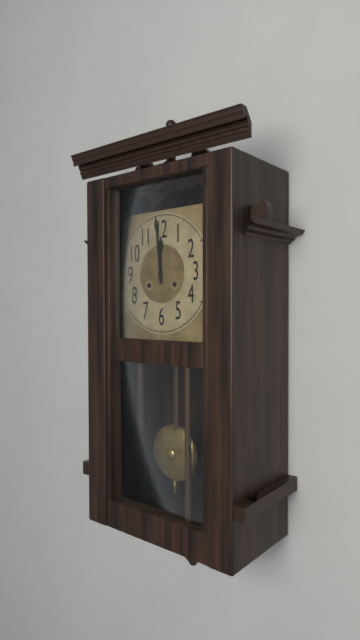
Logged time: 11:59
